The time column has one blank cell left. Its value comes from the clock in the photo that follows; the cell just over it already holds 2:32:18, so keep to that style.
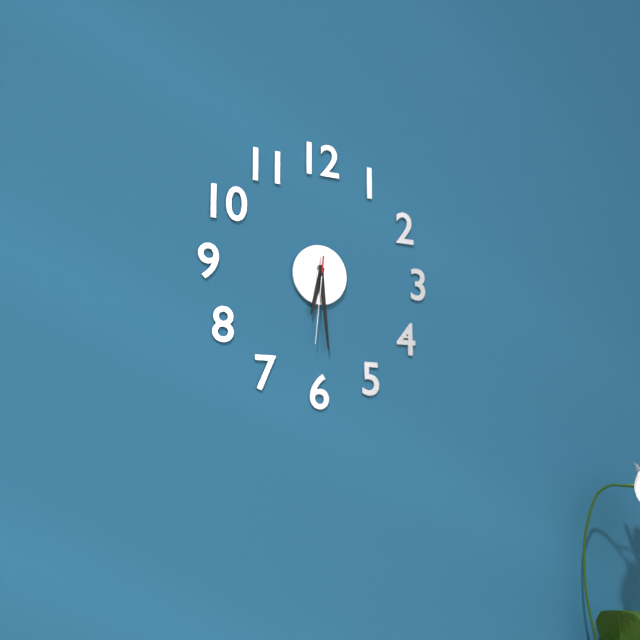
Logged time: 6:29:31
